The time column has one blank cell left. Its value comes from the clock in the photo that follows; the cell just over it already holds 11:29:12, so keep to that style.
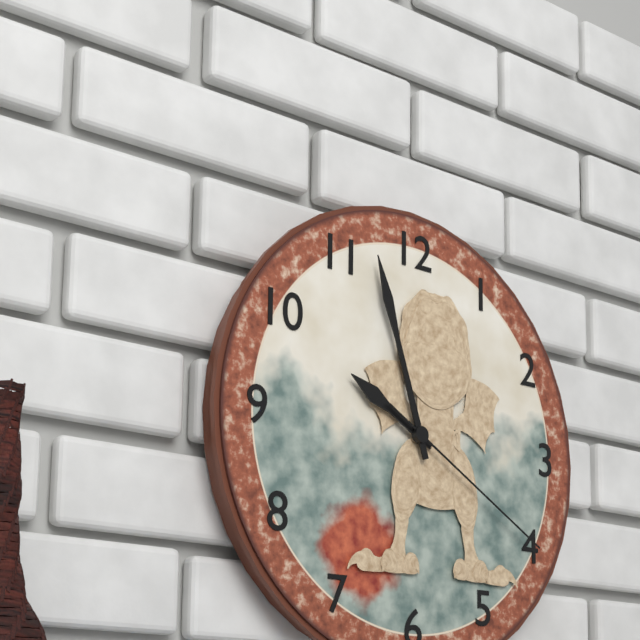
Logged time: 9:57:20
